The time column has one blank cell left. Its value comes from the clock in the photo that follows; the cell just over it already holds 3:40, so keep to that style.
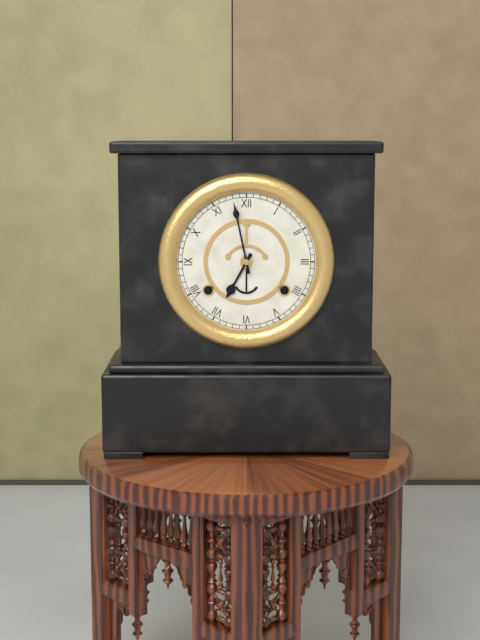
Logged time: 6:58
